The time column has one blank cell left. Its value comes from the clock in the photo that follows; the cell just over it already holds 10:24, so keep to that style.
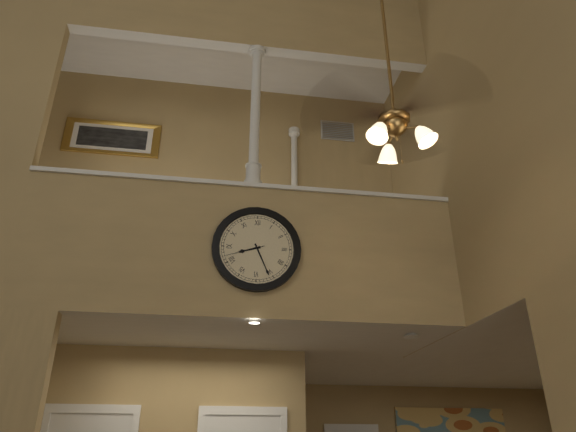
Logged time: 8:26
